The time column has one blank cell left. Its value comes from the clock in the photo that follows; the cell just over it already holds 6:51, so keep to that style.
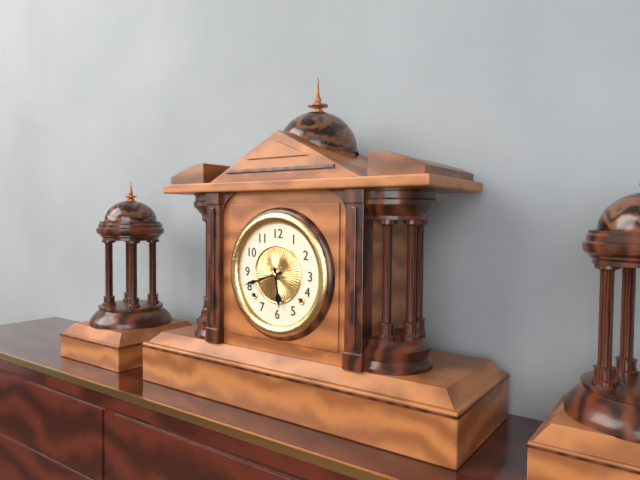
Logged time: 5:42
